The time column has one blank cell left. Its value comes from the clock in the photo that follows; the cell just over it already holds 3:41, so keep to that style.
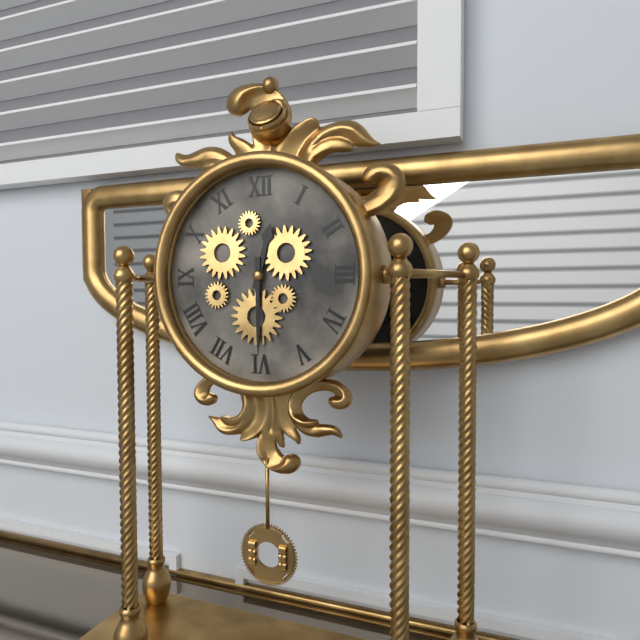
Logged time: 12:30
